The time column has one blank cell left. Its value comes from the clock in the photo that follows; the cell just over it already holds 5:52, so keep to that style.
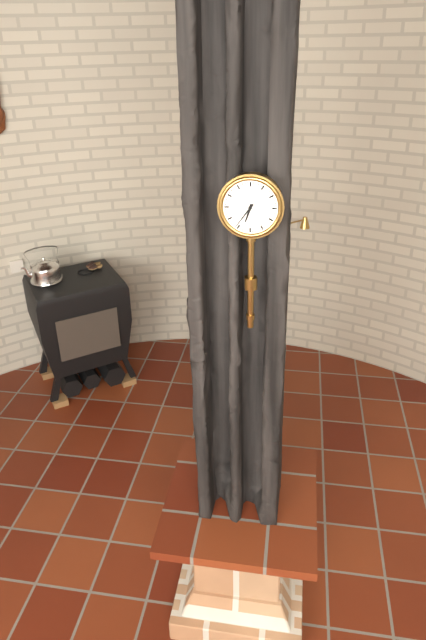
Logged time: 6:36
